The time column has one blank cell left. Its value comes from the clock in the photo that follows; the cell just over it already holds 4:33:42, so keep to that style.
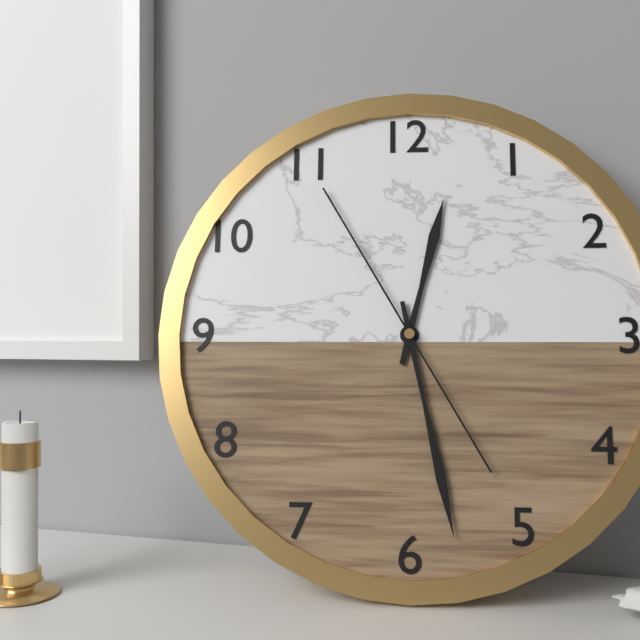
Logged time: 12:28:55
